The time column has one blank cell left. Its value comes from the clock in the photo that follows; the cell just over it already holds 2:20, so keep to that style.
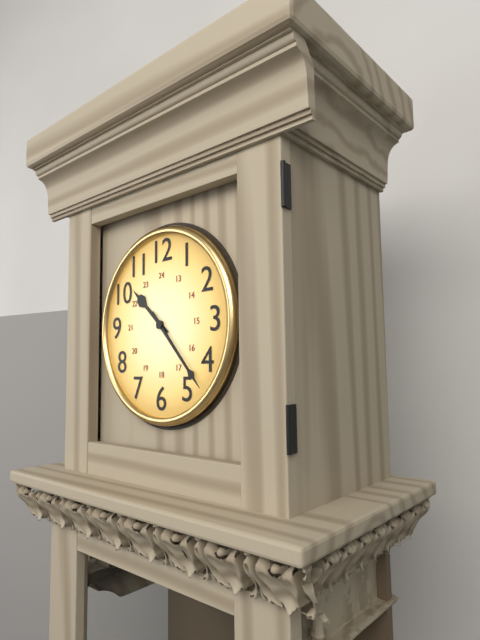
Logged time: 10:23
